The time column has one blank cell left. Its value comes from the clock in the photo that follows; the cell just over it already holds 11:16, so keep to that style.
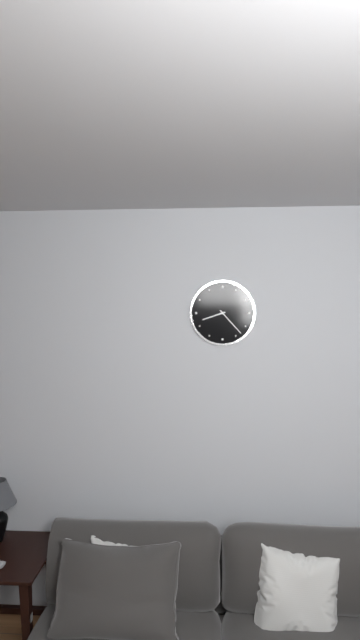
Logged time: 8:23
